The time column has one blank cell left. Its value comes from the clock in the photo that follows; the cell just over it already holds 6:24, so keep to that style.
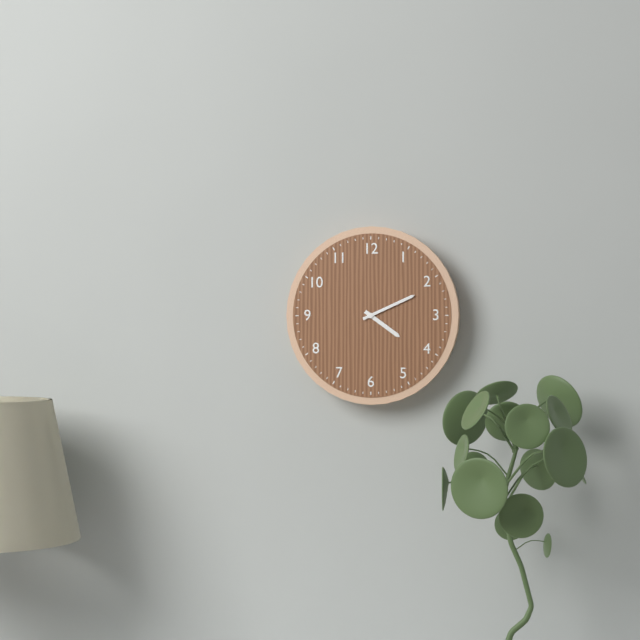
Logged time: 4:11
